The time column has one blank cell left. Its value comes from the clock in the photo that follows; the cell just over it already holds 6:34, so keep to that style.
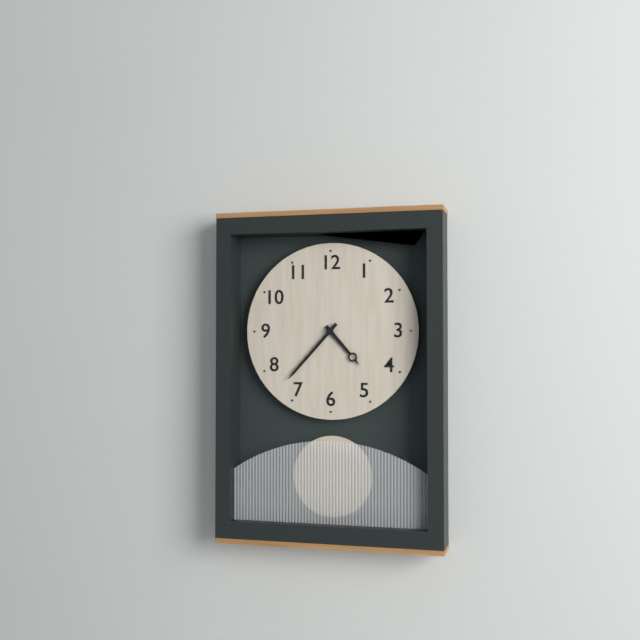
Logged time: 4:37
